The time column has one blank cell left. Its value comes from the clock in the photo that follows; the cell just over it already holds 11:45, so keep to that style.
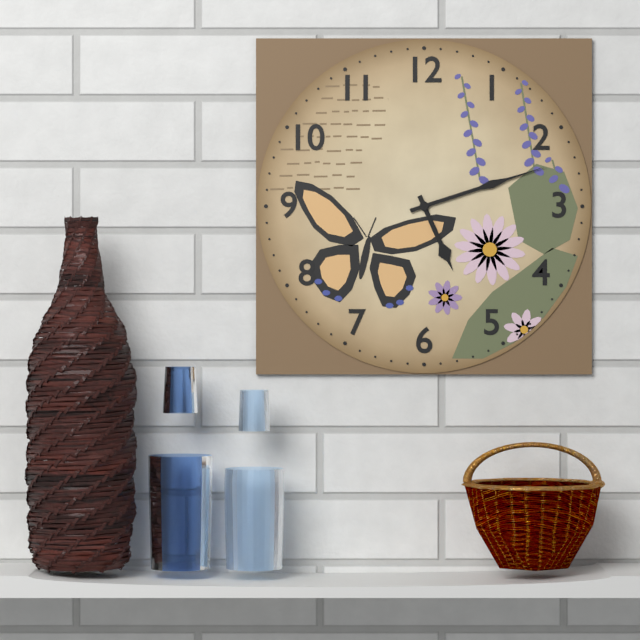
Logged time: 5:12
